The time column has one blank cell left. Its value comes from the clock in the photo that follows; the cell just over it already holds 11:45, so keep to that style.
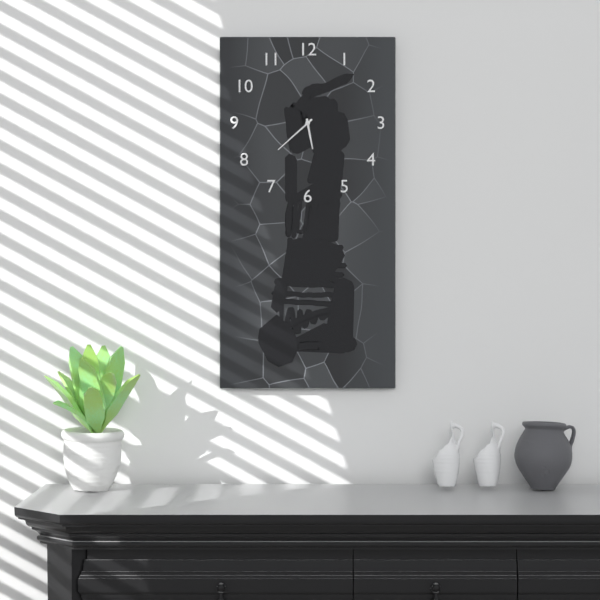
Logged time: 5:38
